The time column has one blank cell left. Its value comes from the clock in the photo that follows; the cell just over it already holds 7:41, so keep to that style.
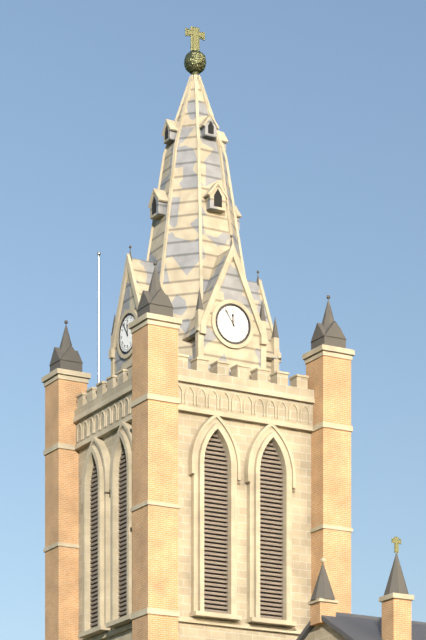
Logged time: 11:54
